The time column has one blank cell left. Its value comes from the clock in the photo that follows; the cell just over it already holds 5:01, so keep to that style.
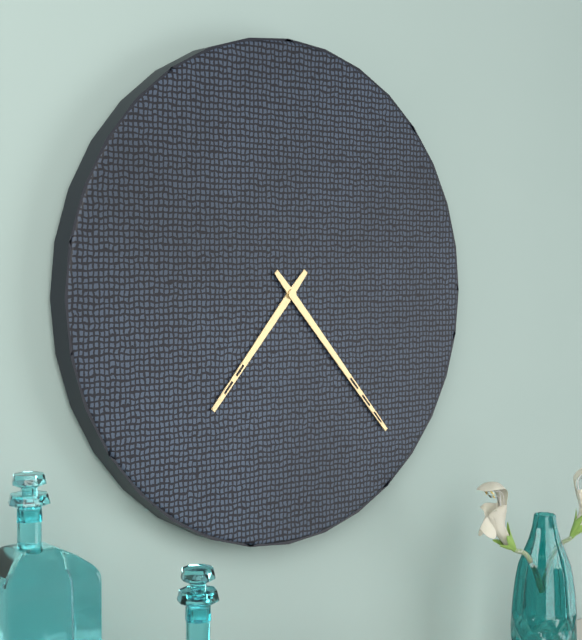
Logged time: 7:23
